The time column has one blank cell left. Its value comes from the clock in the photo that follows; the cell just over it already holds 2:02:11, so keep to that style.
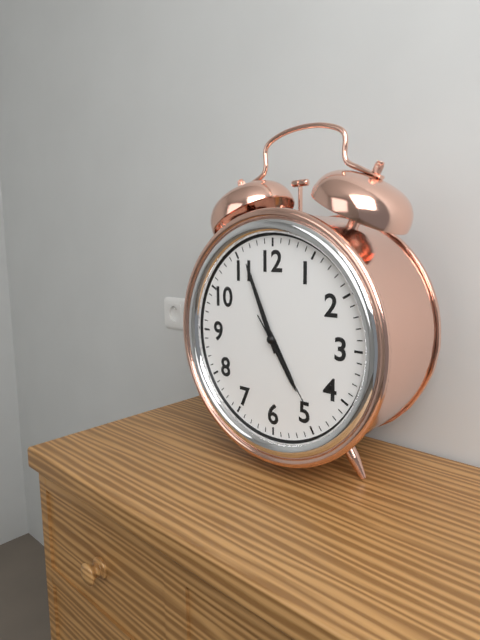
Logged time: 4:56:24
